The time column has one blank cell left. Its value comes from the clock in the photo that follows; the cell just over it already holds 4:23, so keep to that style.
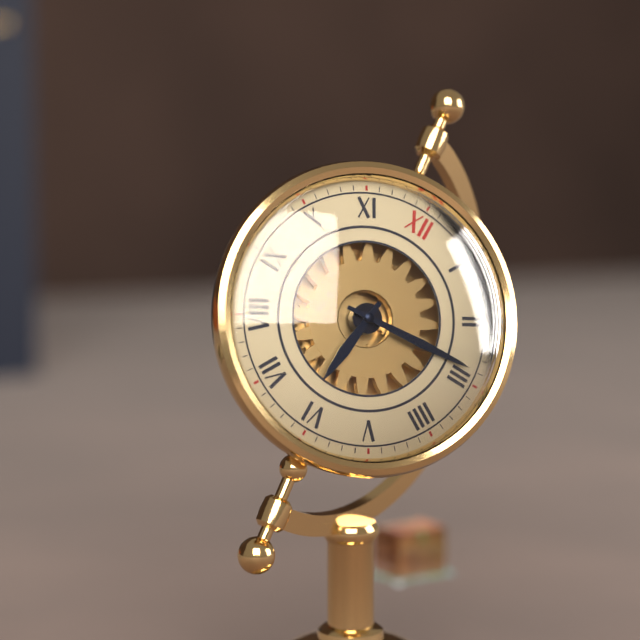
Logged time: 6:14
